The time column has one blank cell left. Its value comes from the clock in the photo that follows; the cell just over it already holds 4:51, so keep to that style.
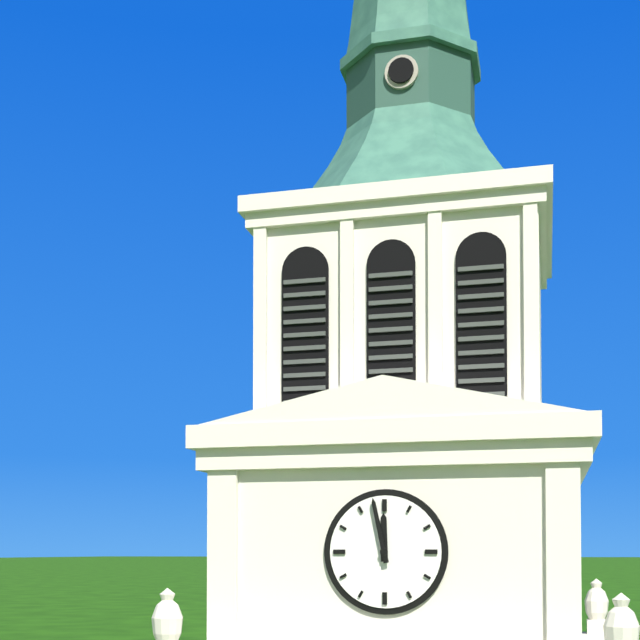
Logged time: 11:58
